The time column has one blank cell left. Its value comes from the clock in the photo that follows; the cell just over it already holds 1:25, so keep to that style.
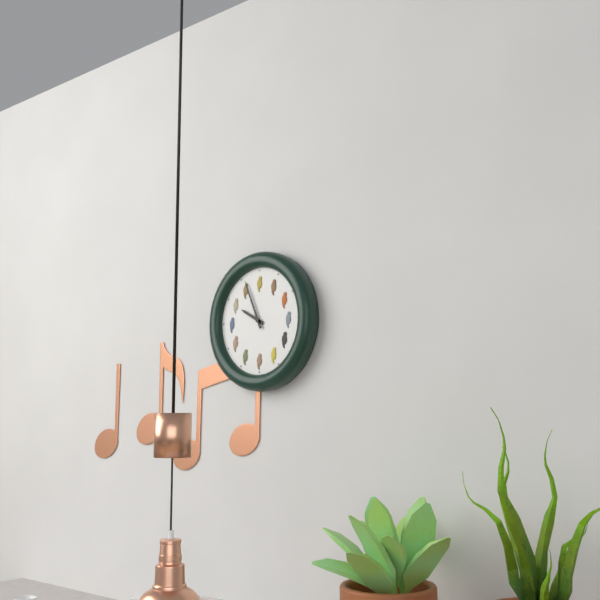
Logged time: 9:56
